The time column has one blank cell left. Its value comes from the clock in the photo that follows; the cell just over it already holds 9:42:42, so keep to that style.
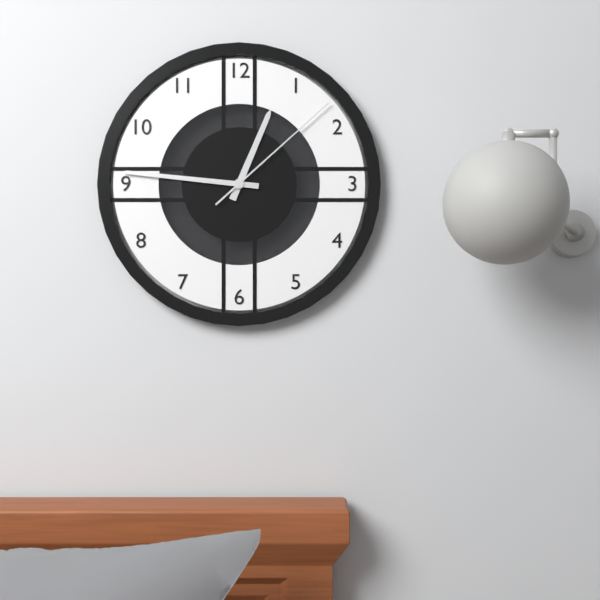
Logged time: 12:46:08
